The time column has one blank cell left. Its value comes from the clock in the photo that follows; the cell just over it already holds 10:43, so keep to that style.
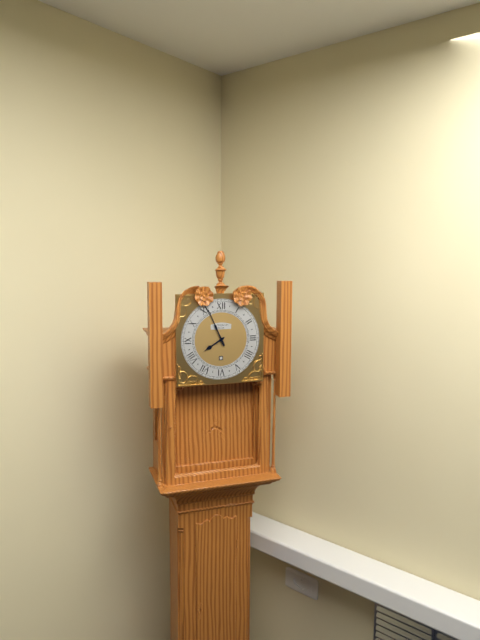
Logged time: 7:56
